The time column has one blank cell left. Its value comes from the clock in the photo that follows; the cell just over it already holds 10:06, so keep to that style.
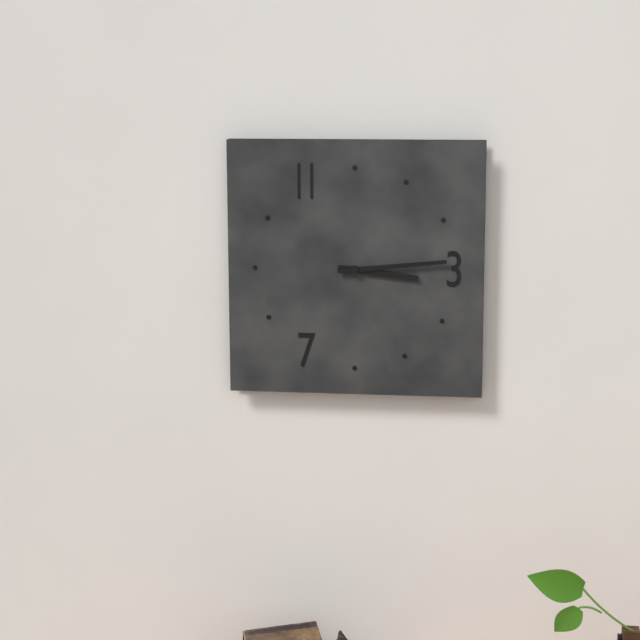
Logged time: 3:14
